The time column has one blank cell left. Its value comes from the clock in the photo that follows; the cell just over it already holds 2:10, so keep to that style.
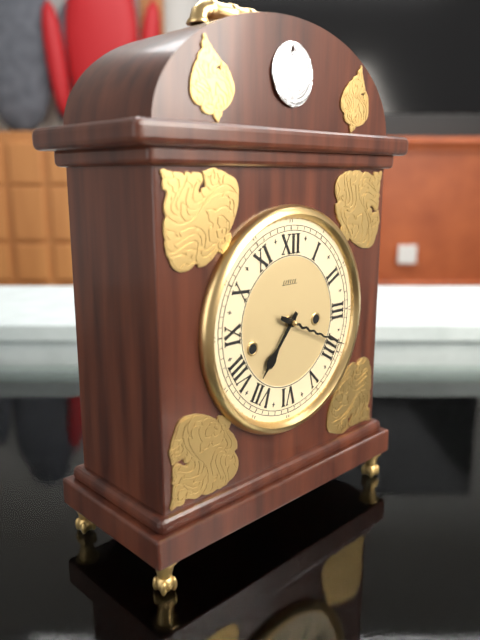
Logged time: 7:19
